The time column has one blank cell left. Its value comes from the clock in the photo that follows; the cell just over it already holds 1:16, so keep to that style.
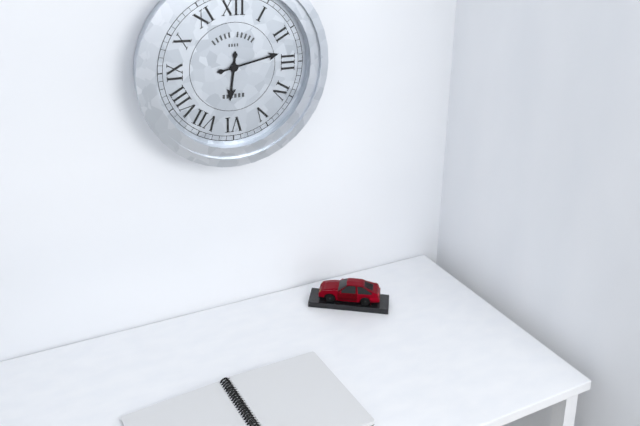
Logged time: 6:13
